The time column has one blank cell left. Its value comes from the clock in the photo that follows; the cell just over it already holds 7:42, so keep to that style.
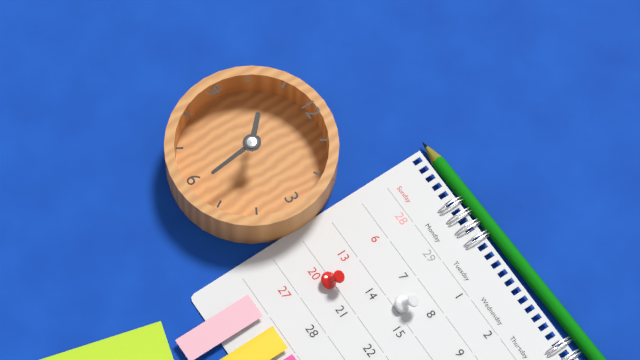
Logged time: 10:29
